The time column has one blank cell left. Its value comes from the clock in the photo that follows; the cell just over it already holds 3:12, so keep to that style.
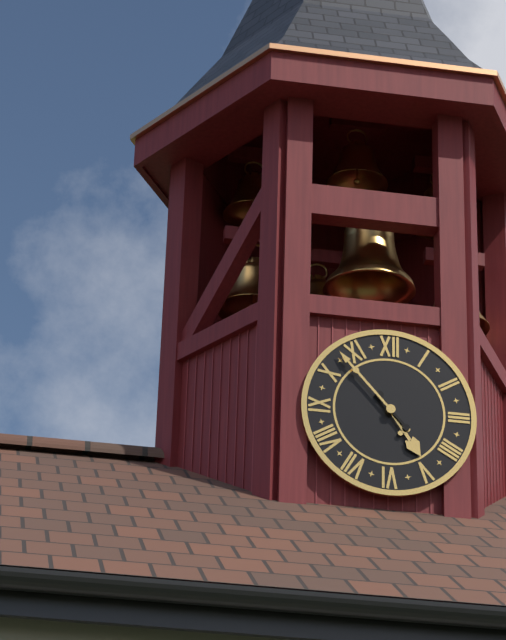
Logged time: 4:53
